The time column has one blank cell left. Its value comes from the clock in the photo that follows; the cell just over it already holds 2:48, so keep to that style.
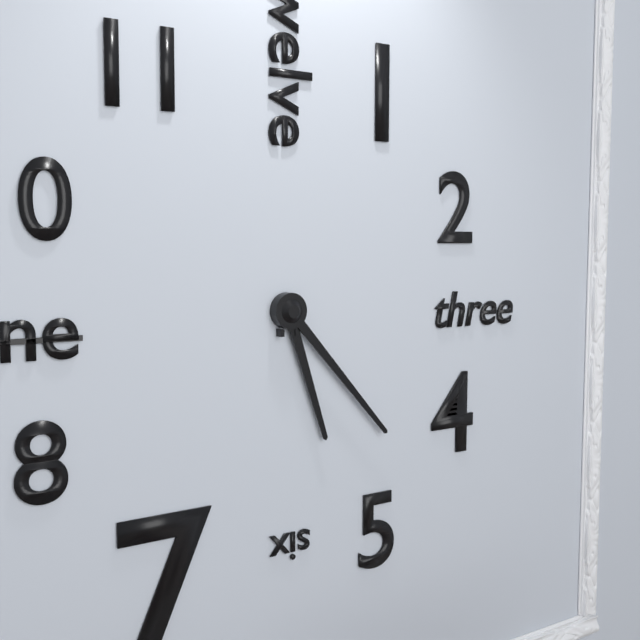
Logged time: 5:23
